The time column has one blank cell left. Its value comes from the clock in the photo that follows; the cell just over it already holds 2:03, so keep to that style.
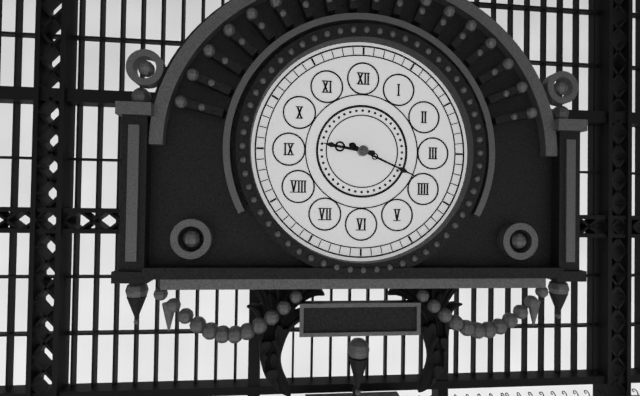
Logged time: 9:19
